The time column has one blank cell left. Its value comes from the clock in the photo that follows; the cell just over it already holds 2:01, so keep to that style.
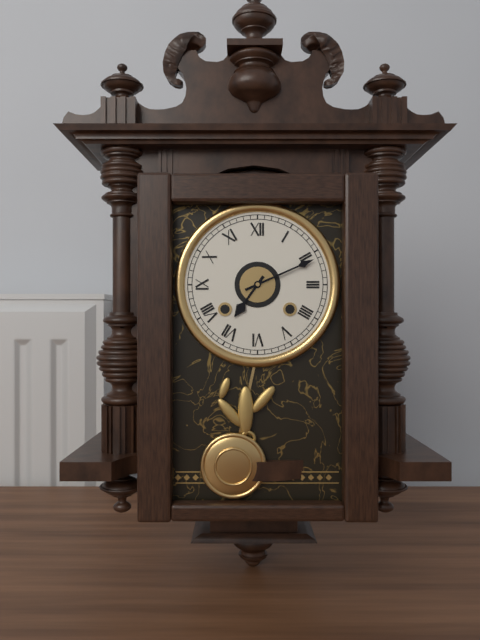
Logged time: 7:11
